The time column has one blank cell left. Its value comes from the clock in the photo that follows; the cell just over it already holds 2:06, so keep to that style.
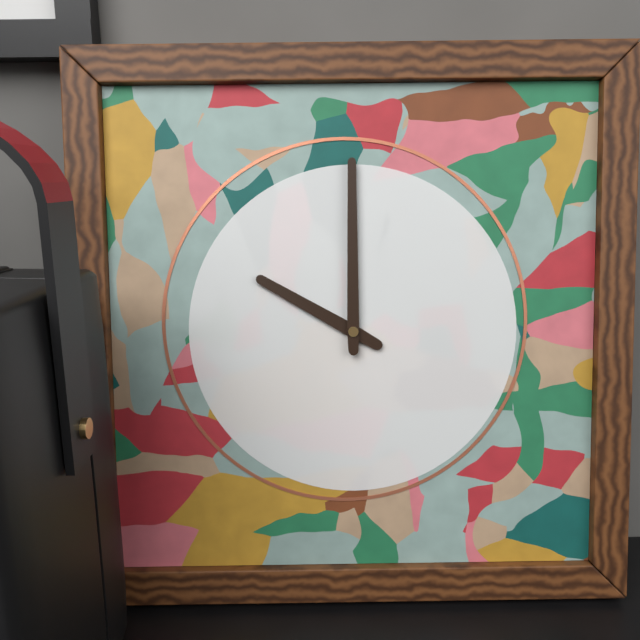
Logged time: 10:00
